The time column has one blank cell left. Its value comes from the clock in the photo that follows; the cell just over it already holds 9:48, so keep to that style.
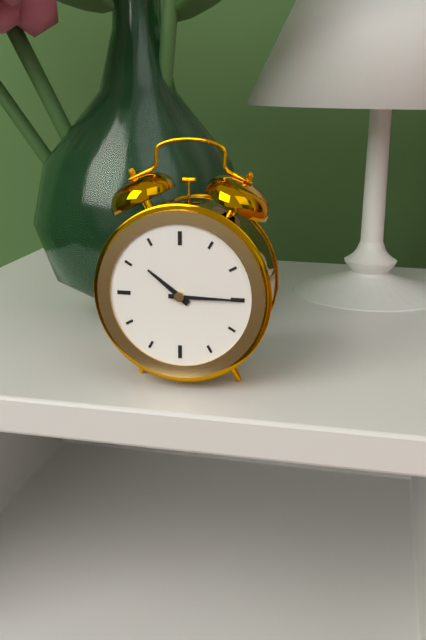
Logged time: 10:15
